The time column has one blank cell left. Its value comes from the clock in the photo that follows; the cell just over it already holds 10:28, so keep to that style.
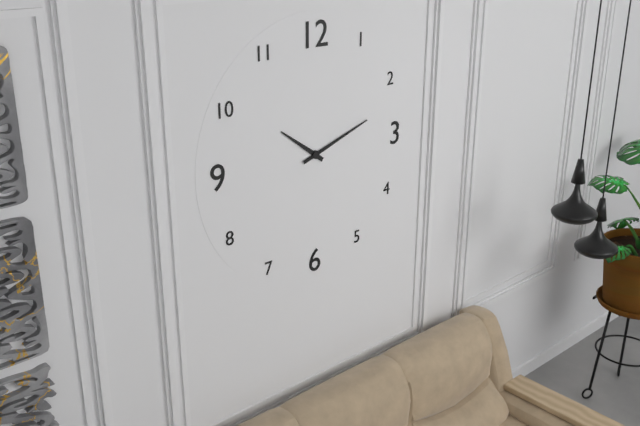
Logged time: 10:12
